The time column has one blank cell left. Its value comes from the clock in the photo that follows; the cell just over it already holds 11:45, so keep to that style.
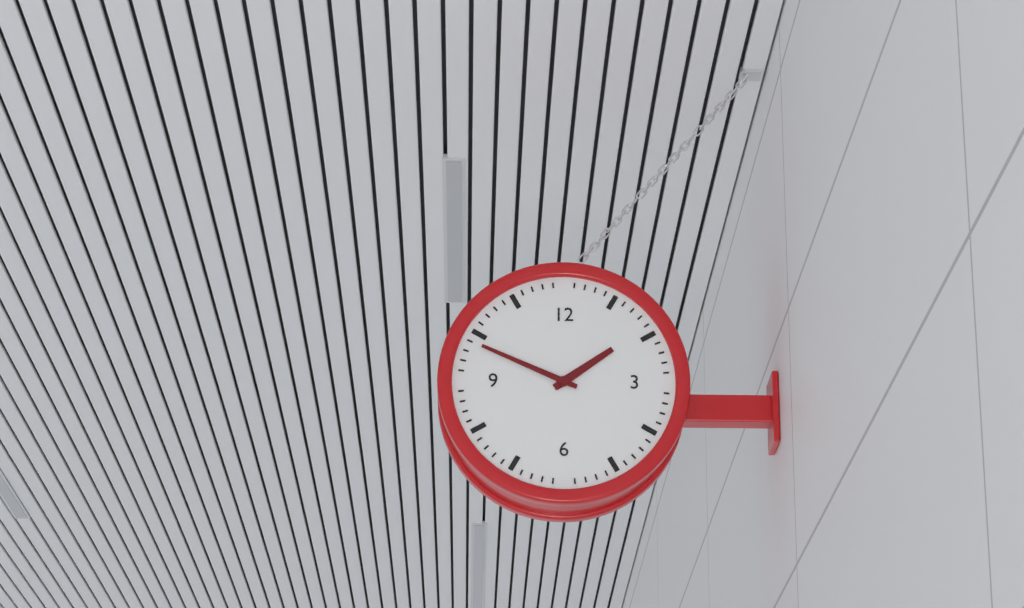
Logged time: 1:49
